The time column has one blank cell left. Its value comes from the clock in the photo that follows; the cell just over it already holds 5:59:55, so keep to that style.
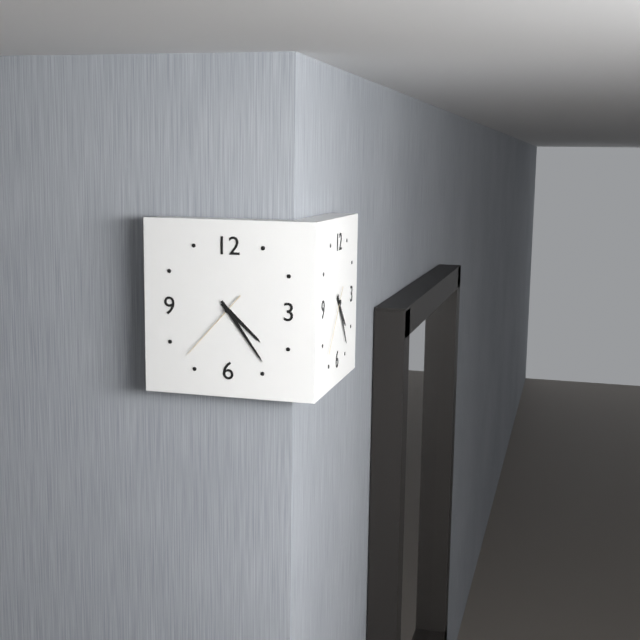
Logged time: 4:24:37
